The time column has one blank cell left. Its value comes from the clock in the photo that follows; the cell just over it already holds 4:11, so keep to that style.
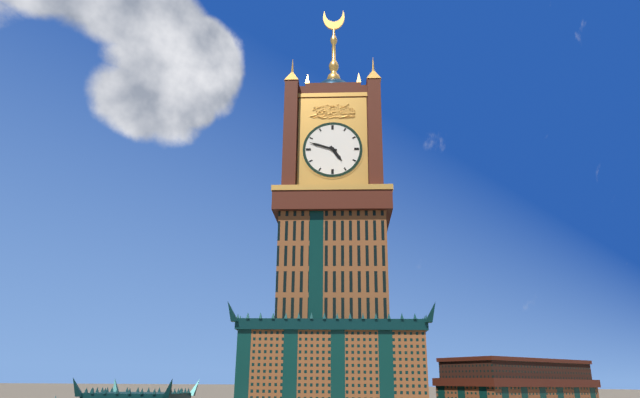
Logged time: 4:48
